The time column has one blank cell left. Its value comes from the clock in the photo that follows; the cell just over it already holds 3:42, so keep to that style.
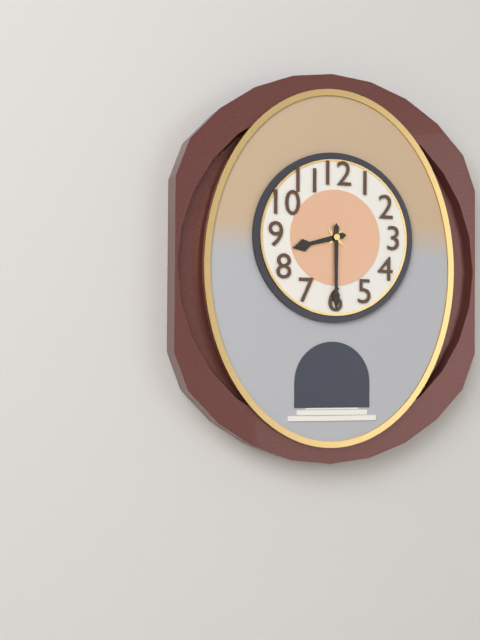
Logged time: 8:30
